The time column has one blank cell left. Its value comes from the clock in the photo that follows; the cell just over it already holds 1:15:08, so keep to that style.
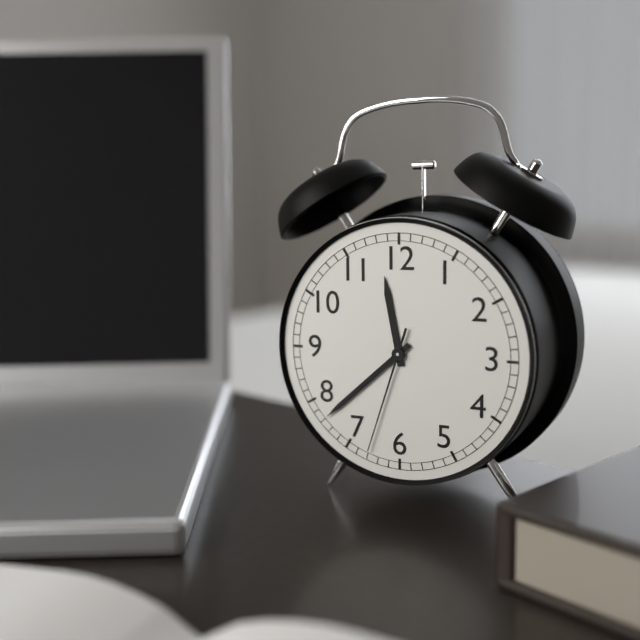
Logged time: 11:38:33
